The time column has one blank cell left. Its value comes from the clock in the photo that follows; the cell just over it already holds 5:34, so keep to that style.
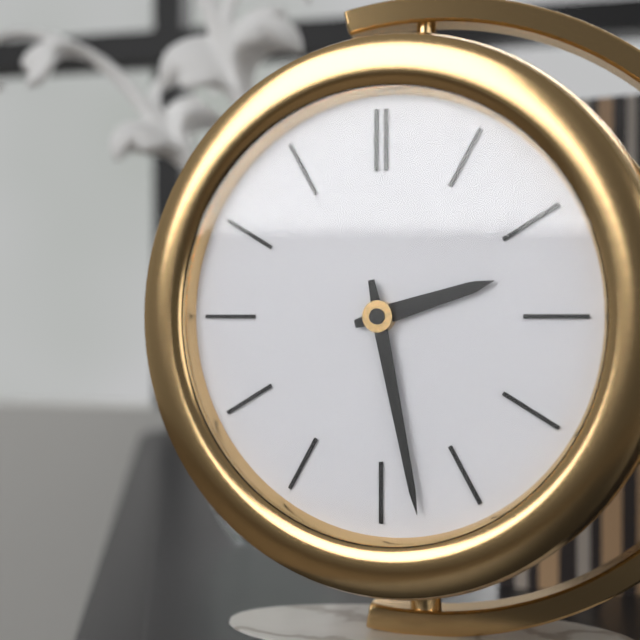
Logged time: 2:28
